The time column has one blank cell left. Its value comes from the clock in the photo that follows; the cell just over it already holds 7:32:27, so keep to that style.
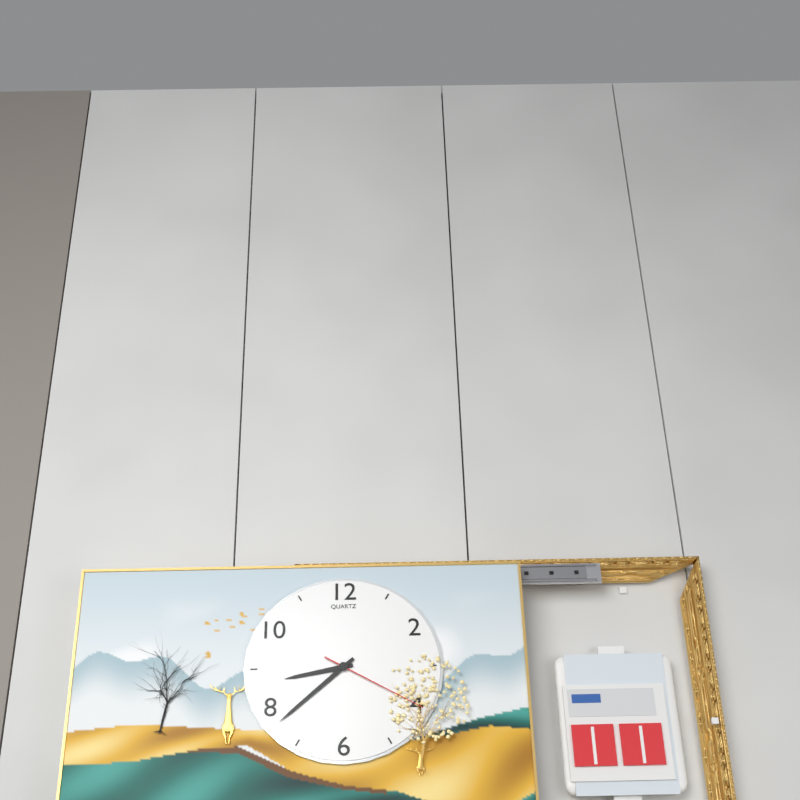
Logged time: 8:38:20
